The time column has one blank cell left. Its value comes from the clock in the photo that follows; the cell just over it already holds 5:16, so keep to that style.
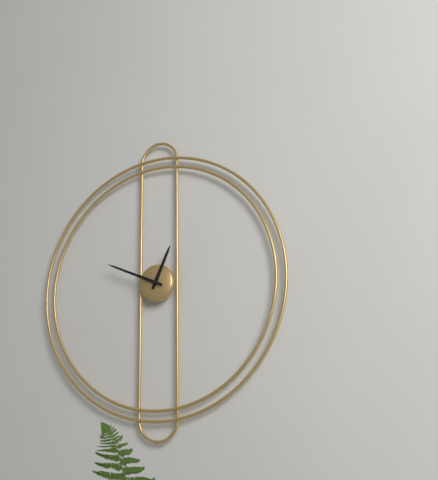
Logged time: 12:49
